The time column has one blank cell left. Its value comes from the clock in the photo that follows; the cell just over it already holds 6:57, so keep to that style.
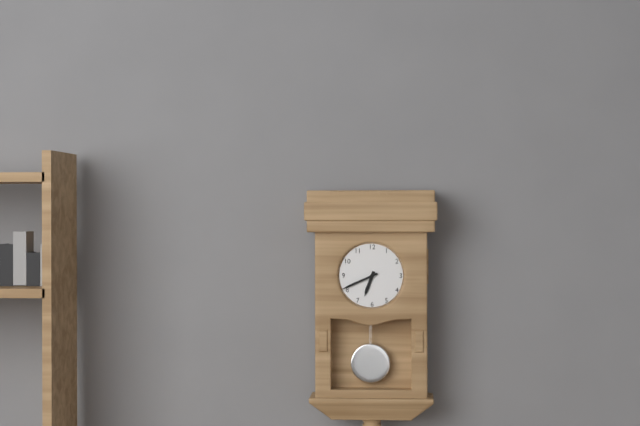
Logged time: 6:41
